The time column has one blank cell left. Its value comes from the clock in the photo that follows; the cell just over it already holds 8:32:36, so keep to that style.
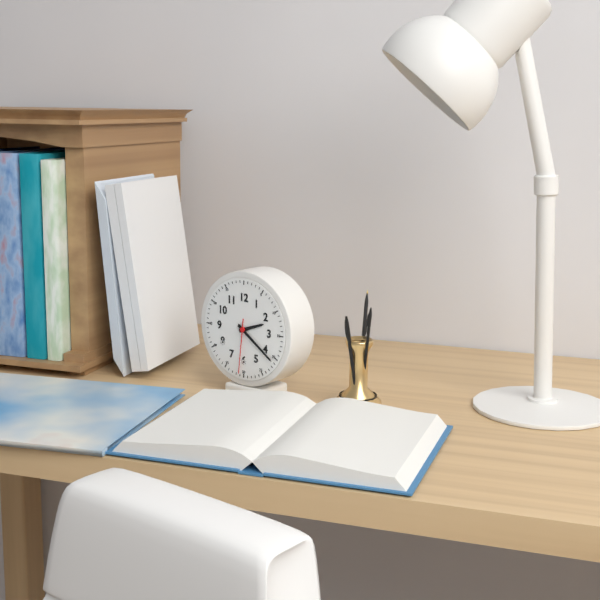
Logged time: 2:21:31
